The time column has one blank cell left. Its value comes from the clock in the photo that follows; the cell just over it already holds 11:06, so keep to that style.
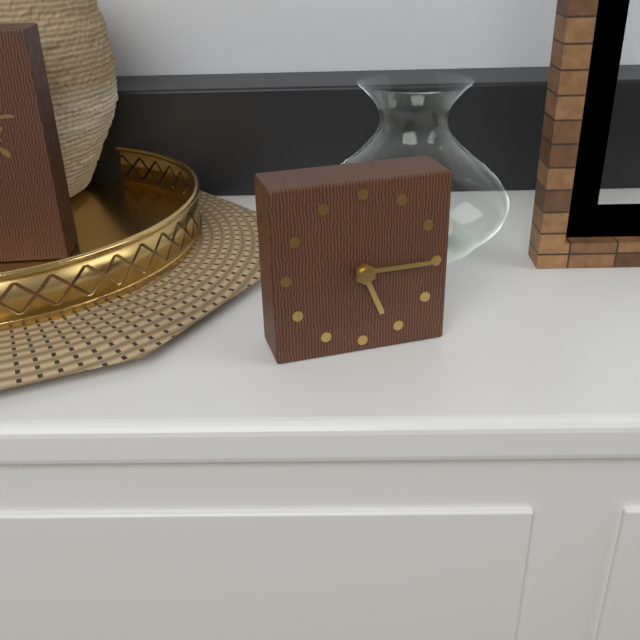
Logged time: 5:15
